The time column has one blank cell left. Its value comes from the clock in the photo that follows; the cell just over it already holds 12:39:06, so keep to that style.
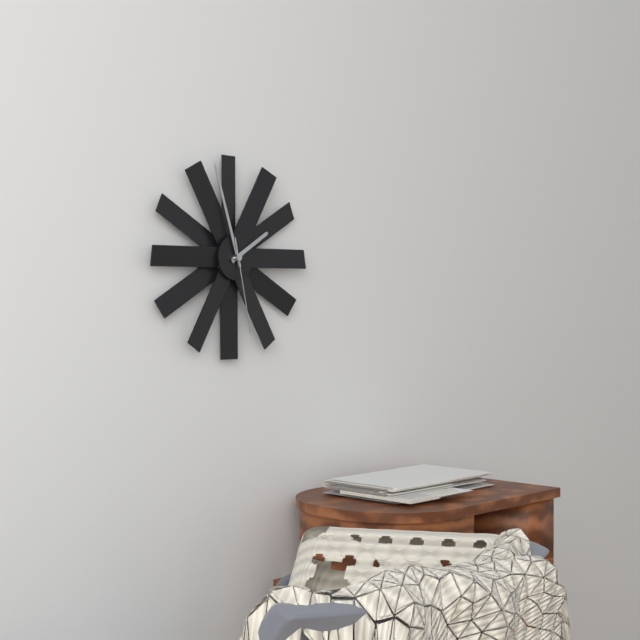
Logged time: 1:57:28
